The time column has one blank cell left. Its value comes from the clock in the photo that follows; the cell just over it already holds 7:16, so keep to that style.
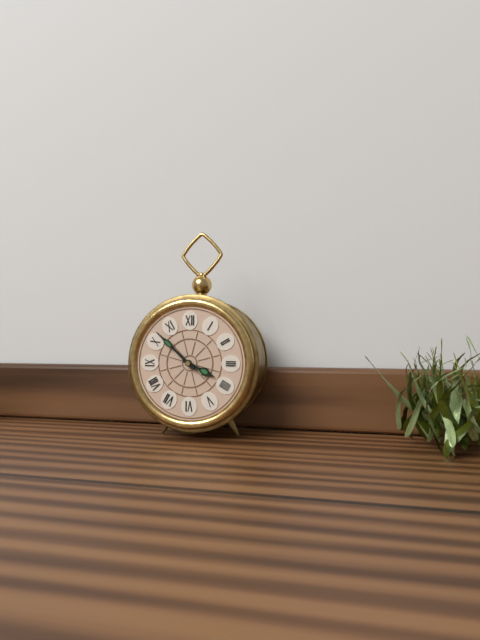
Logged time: 3:52
